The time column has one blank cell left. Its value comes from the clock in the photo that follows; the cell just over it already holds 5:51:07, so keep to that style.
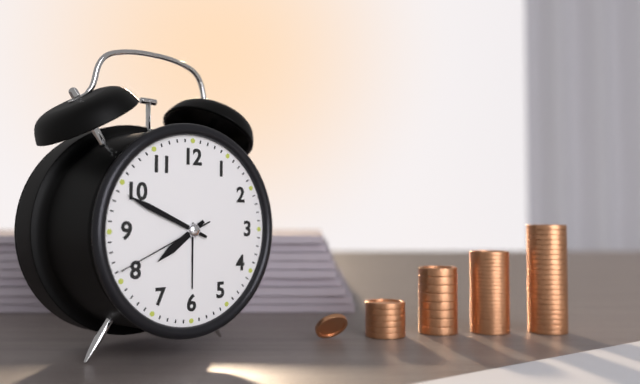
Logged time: 7:49:41
